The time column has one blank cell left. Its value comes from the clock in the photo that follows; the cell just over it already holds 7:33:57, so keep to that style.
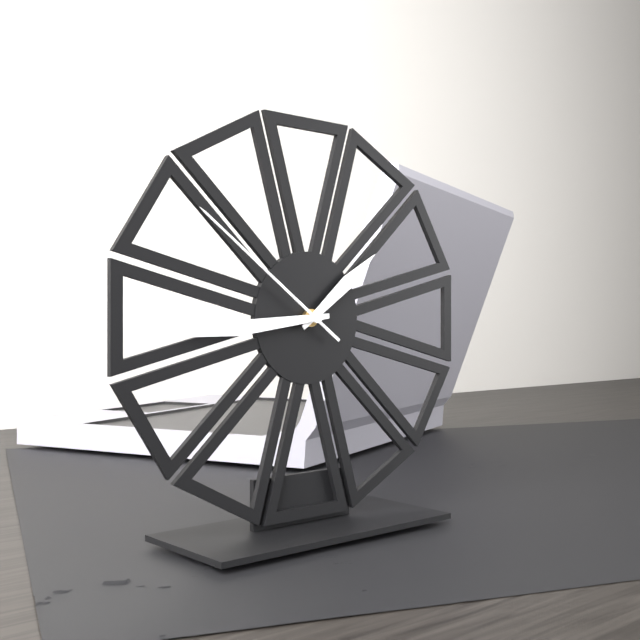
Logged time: 1:44:51
